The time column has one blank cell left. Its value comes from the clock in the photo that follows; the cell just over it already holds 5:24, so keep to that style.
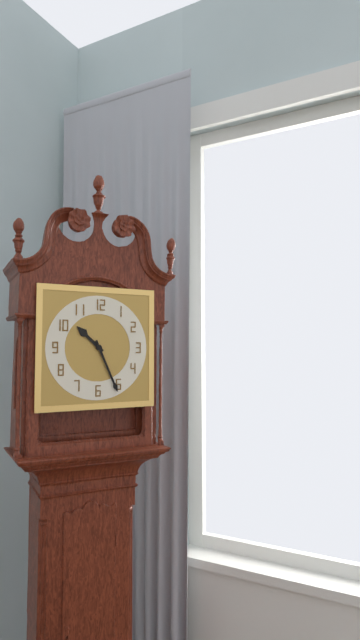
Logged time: 10:26
